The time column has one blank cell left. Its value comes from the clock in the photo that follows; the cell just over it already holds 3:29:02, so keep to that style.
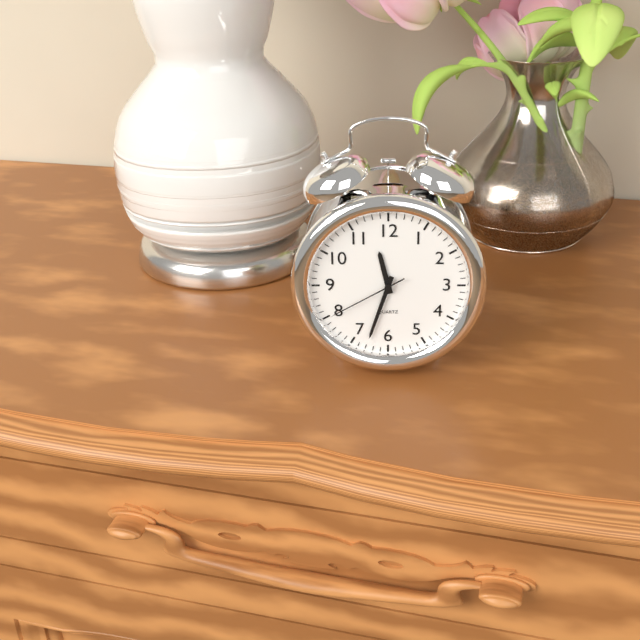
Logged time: 11:33:40
